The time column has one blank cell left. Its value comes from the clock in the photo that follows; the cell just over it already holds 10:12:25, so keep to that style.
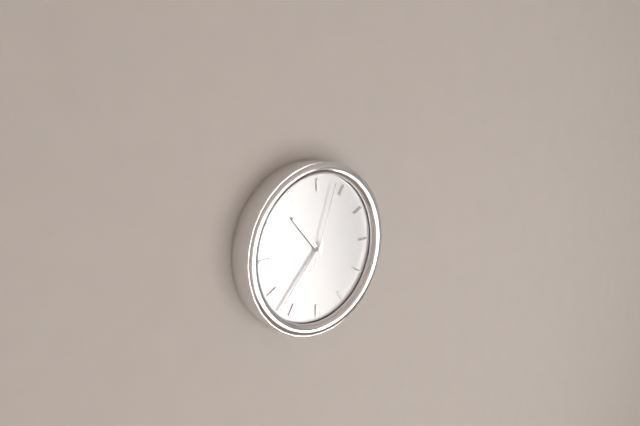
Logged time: 10:37:03
